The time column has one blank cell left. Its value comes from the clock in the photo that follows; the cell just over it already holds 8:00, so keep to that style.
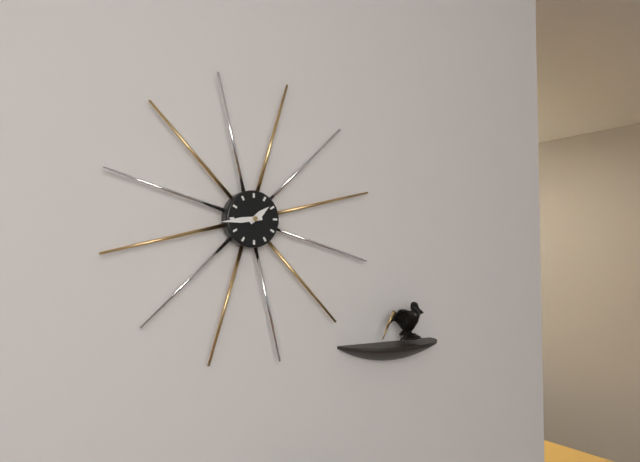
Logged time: 1:44
